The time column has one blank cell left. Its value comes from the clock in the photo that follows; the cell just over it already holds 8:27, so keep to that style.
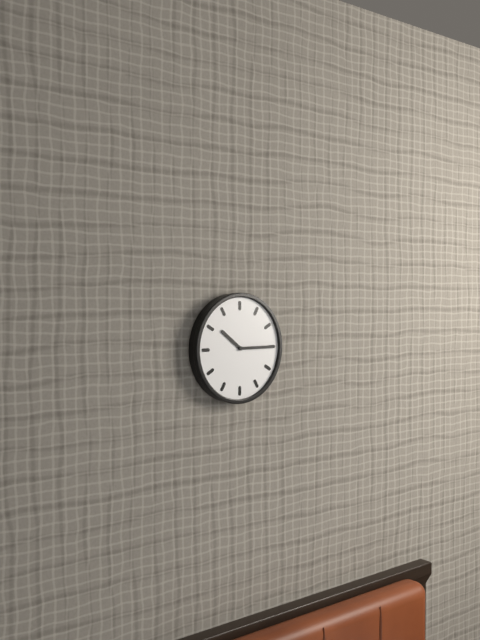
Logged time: 10:15
